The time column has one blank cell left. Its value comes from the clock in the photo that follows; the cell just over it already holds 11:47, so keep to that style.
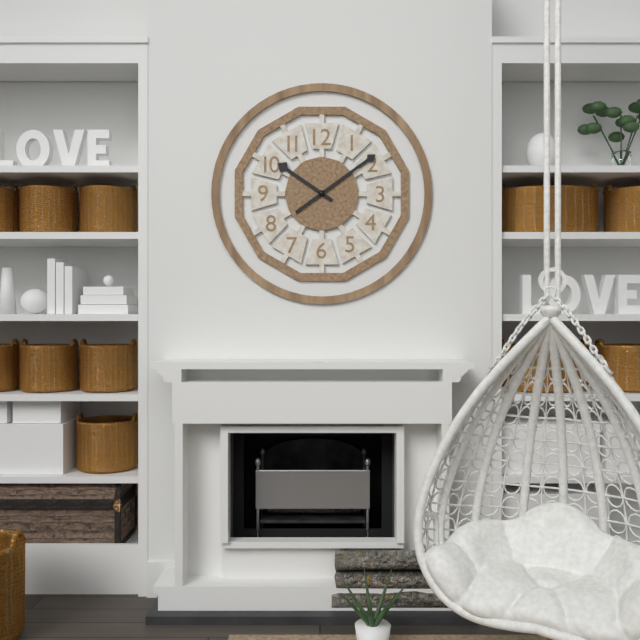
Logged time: 10:09
